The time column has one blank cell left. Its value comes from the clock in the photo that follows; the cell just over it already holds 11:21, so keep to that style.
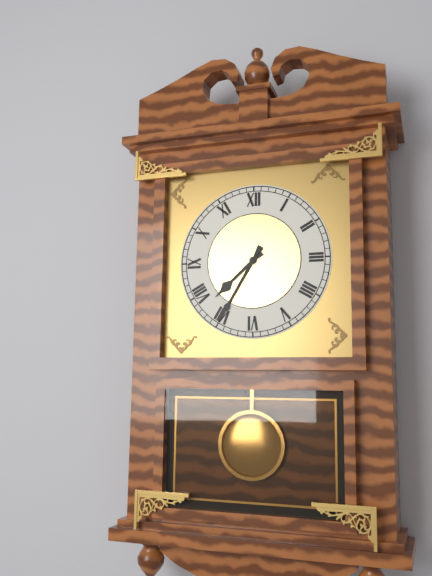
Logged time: 7:35
